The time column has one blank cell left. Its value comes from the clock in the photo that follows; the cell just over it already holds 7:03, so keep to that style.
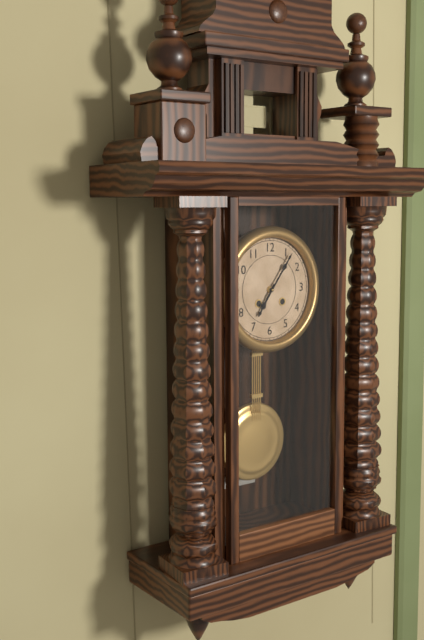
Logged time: 7:06
